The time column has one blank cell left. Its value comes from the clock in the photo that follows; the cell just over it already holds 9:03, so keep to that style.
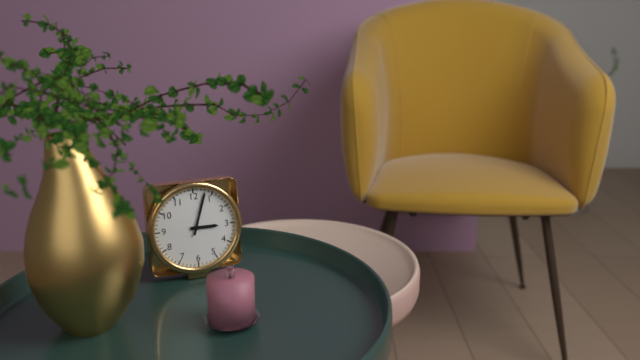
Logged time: 3:03
